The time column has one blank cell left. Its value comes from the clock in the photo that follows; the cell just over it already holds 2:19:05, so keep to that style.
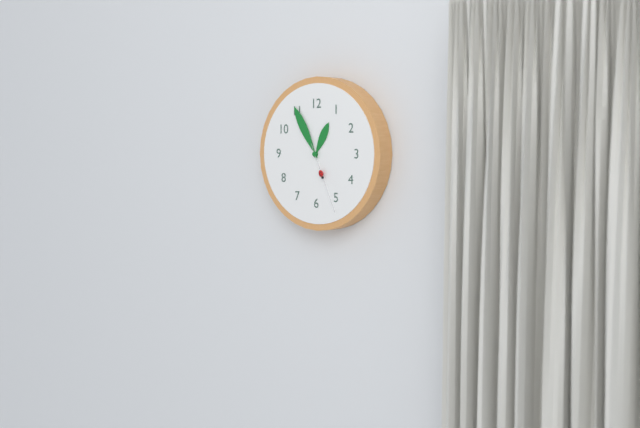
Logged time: 12:55:26
